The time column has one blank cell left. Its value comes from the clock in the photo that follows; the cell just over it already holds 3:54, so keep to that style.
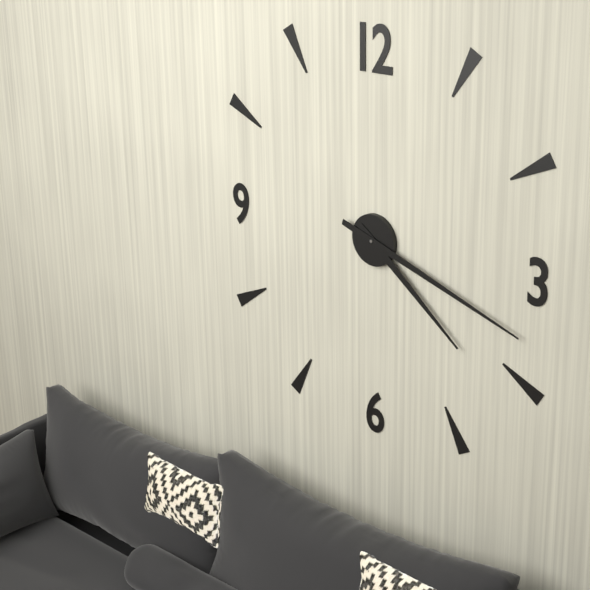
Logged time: 4:18
